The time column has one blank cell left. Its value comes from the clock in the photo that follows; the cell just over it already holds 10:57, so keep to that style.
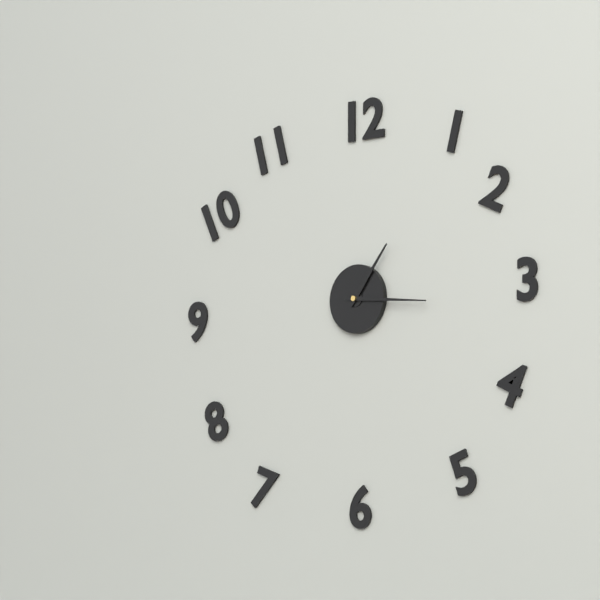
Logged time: 1:16
